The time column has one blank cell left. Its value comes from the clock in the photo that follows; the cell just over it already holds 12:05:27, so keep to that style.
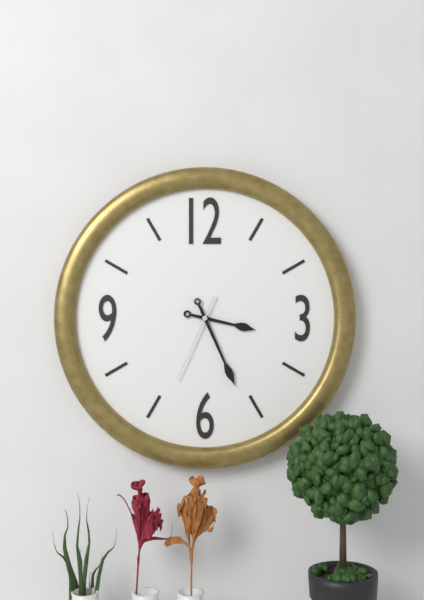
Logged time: 3:26:34
